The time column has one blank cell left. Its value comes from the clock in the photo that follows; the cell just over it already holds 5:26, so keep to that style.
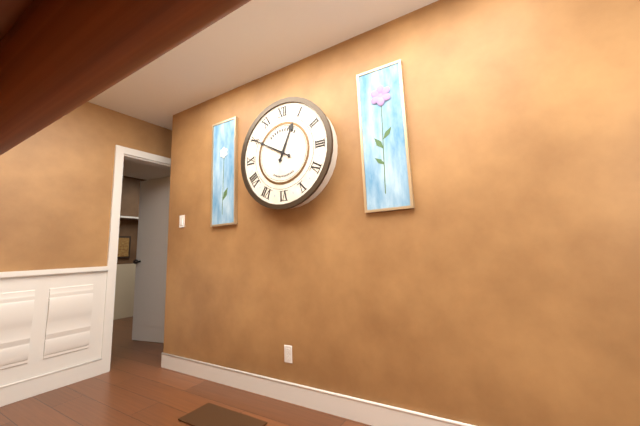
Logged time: 12:50
